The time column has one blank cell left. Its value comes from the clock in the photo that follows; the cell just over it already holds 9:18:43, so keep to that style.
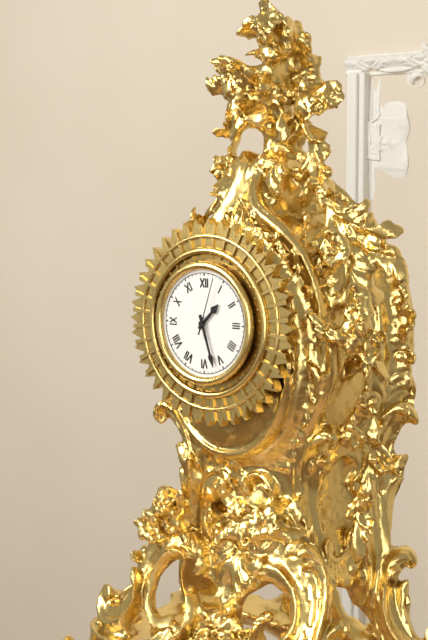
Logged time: 1:27:03
